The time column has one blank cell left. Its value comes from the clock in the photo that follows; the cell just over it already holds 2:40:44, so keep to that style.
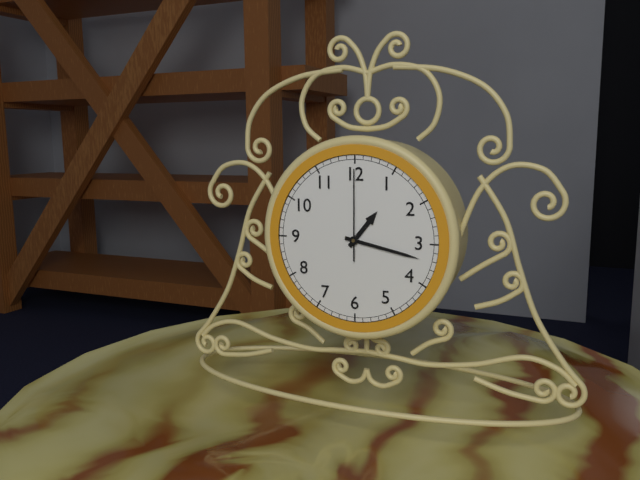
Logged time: 1:17:00
